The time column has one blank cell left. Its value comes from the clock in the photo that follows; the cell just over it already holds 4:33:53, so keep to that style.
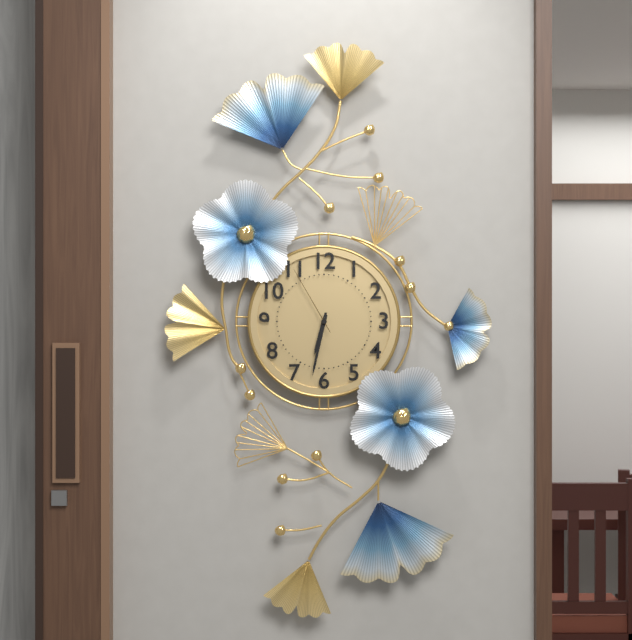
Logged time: 6:32:55
